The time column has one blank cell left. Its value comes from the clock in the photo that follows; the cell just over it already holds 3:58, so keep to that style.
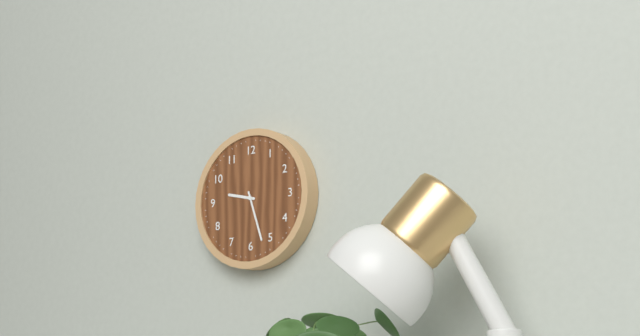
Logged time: 9:27
